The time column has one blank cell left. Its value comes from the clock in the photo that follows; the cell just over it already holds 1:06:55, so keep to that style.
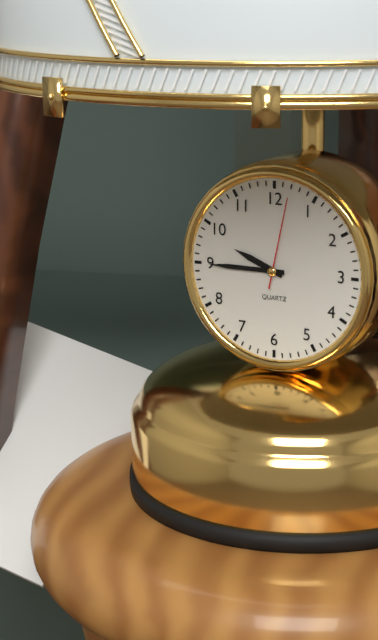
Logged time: 9:45:02
